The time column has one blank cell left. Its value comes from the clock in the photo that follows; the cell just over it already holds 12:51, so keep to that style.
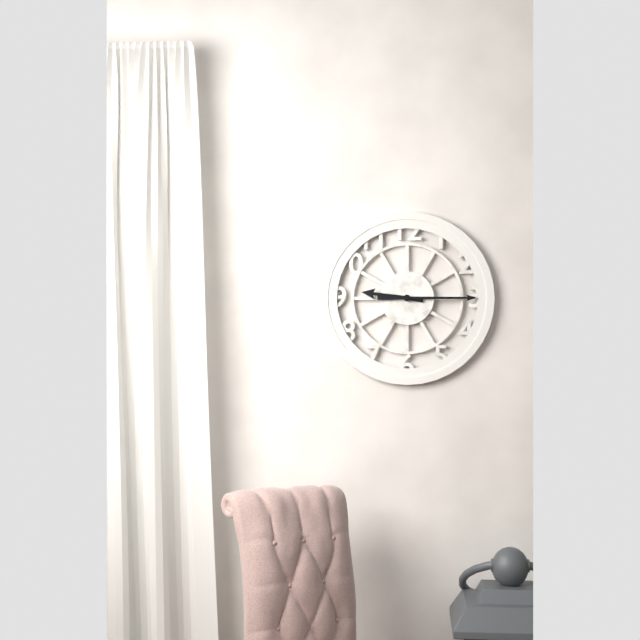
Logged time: 9:15
